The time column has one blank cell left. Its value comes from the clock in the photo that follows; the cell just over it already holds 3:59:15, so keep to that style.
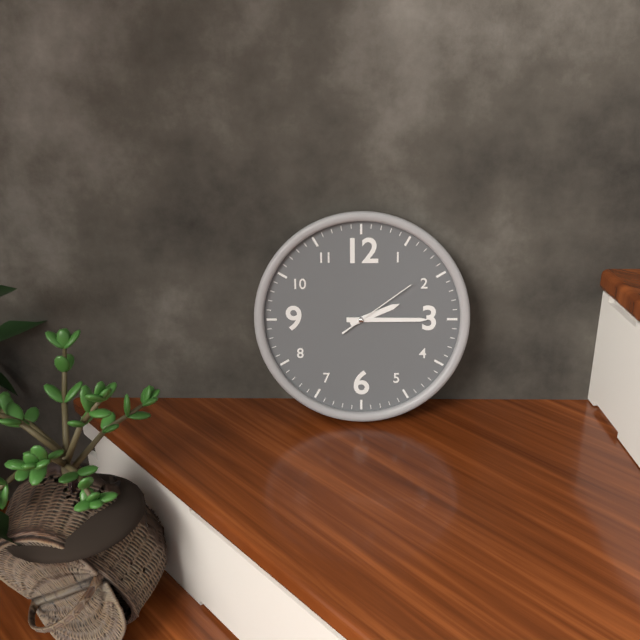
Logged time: 2:15:09
